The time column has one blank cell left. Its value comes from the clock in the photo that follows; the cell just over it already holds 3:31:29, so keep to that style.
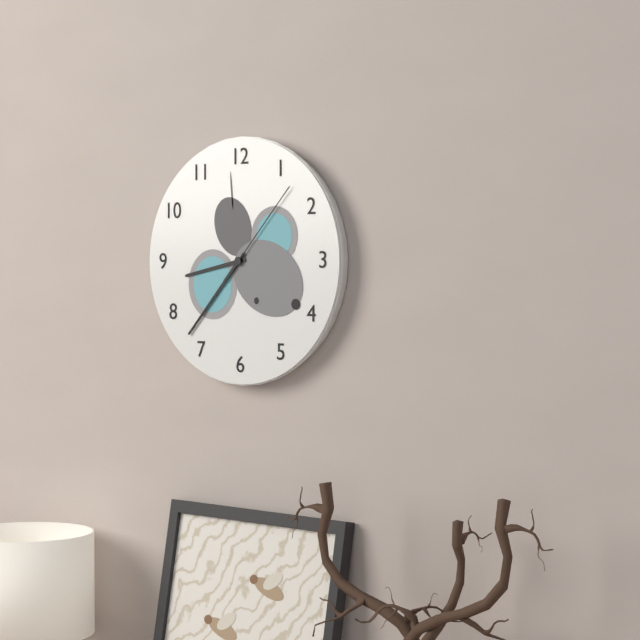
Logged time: 8:37:07
